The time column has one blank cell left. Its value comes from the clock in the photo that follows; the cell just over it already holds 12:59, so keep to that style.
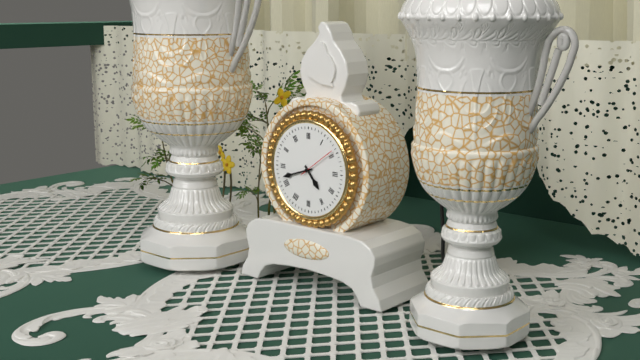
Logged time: 4:42
